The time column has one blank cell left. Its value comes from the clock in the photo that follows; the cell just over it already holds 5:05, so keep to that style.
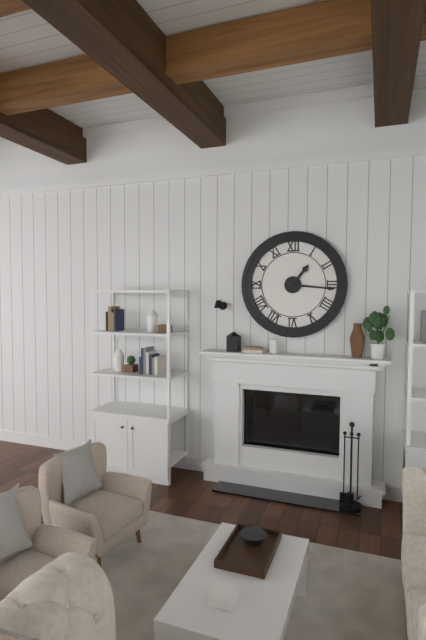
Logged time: 1:16
